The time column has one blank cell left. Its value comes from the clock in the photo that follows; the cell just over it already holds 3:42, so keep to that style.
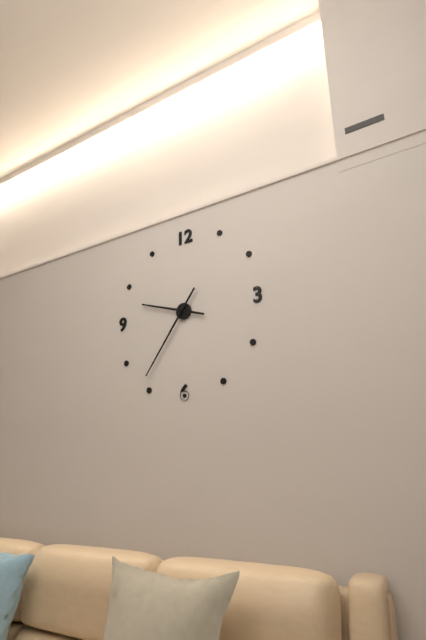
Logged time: 9:36
